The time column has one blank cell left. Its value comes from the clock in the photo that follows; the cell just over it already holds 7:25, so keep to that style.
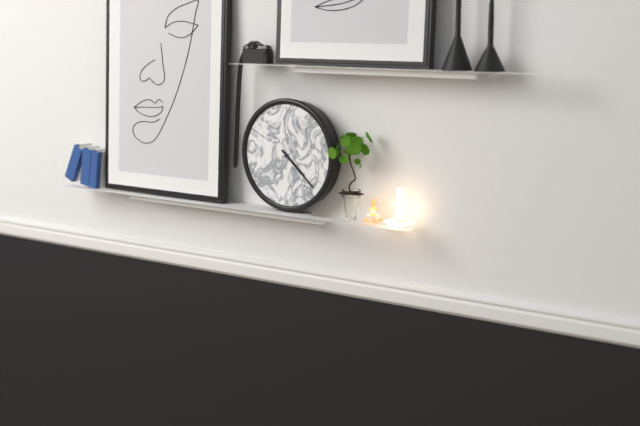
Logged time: 4:22
